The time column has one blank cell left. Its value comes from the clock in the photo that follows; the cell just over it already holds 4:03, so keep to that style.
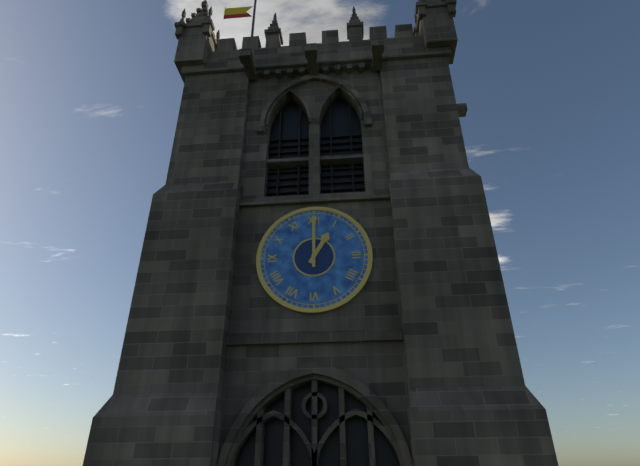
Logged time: 1:00
